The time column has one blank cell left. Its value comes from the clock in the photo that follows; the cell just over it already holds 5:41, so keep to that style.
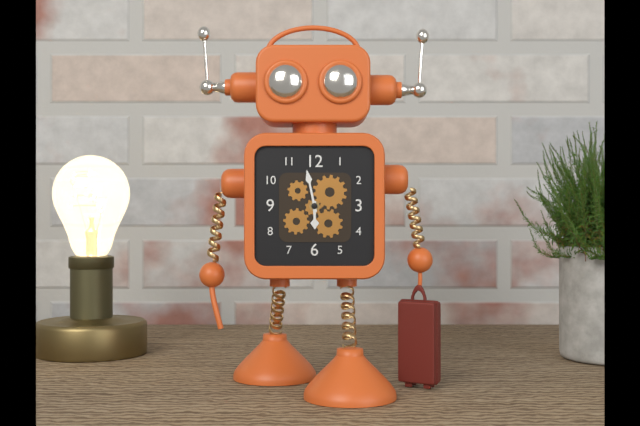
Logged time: 5:58
